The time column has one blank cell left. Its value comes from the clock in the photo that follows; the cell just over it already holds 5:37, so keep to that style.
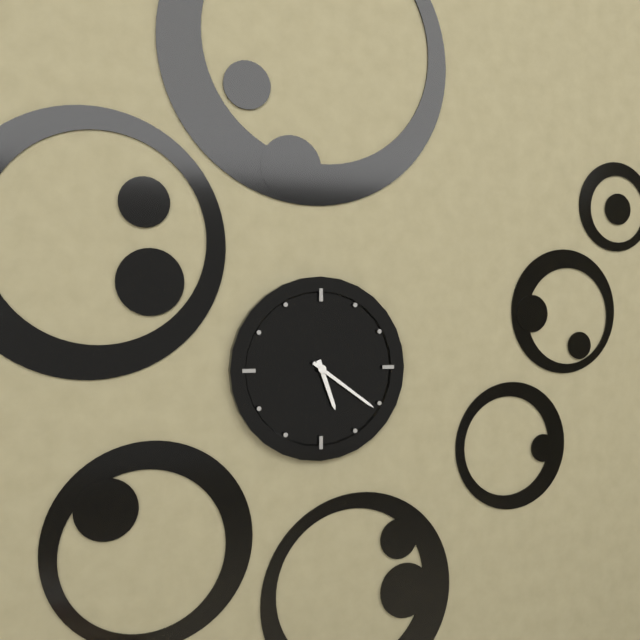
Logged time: 5:21
